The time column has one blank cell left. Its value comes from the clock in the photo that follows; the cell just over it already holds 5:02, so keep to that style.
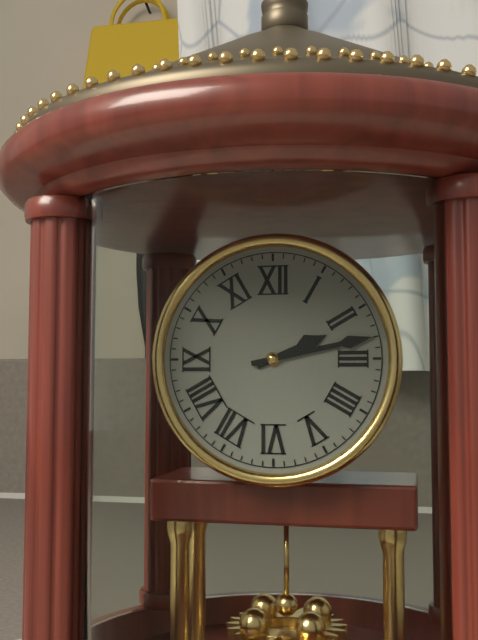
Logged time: 2:13
